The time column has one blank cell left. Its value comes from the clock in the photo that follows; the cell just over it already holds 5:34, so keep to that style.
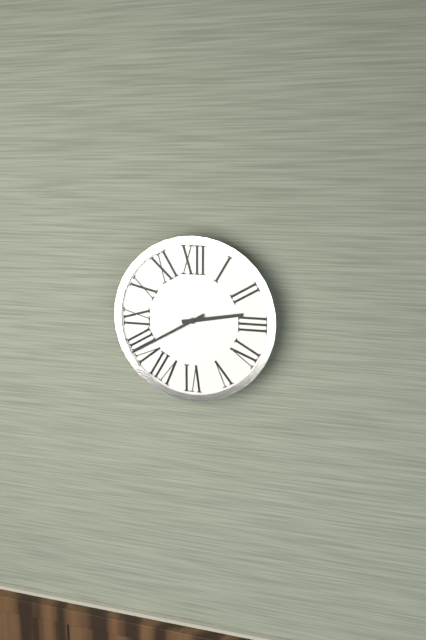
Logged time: 2:40
